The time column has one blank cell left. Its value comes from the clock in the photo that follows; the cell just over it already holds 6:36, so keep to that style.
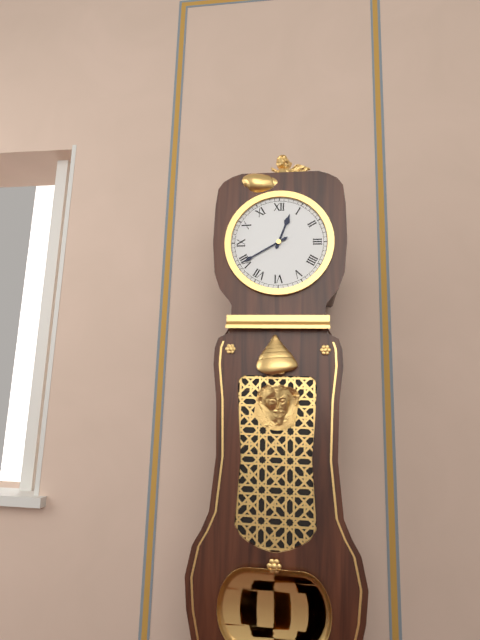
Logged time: 12:40
